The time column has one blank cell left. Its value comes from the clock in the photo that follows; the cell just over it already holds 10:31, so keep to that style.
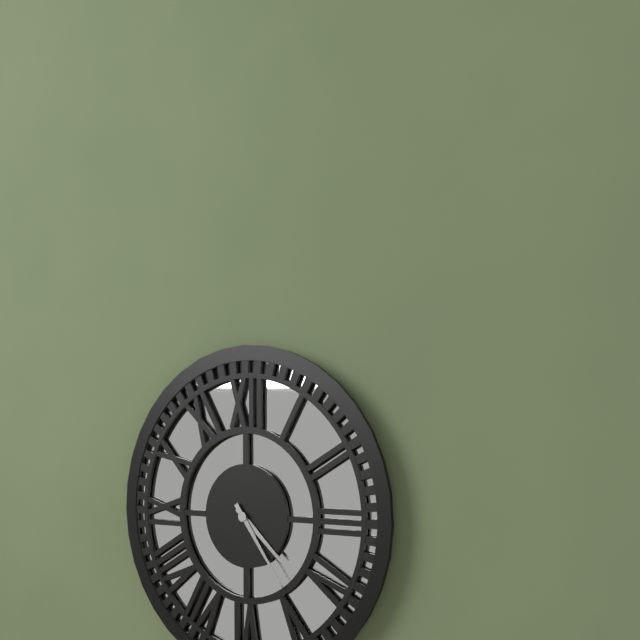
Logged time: 4:24
